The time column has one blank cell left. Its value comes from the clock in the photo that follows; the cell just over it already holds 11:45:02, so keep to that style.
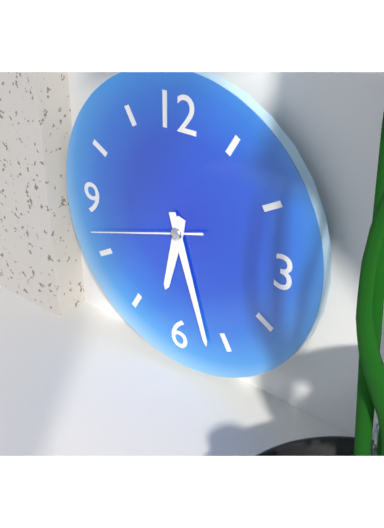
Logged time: 6:27:42
